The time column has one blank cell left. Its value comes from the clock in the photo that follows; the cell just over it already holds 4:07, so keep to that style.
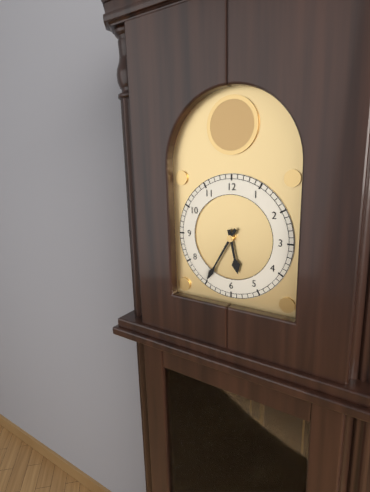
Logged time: 5:35
